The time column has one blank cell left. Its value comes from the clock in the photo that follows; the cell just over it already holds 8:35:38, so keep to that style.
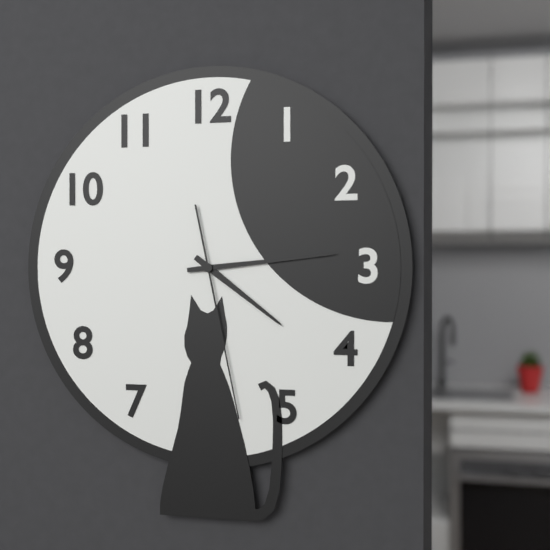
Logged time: 4:14:28
